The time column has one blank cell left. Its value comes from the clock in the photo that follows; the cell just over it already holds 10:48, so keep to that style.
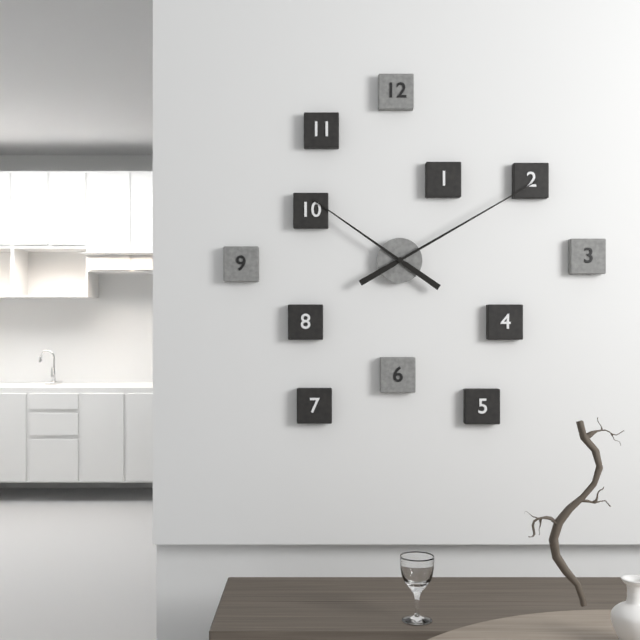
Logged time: 10:10
